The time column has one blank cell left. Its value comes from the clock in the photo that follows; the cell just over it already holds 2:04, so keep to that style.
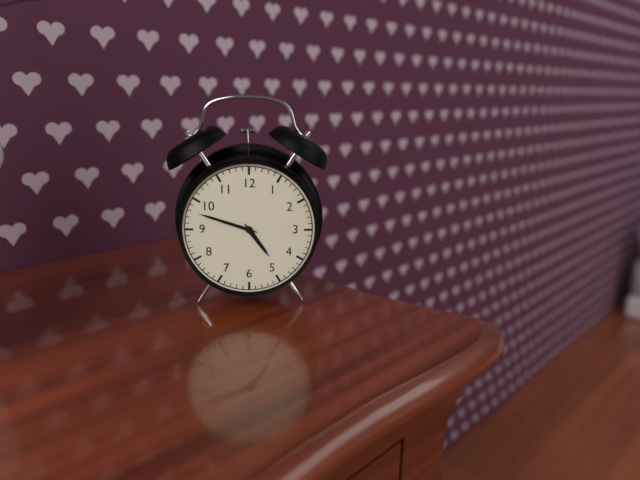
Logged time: 4:48
